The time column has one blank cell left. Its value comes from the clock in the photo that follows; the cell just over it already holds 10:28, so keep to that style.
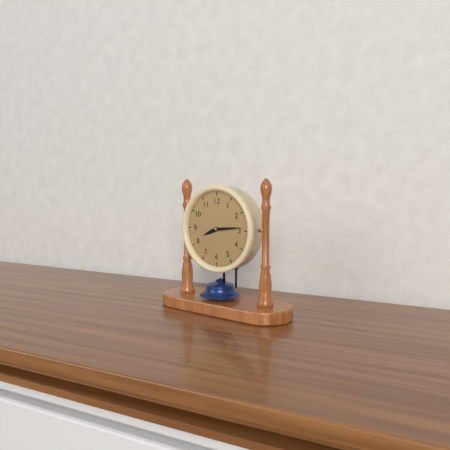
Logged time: 8:14
